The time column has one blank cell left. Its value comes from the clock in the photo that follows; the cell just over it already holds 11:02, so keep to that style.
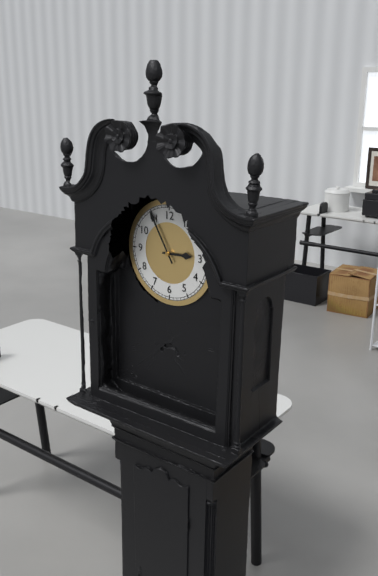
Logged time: 2:55
